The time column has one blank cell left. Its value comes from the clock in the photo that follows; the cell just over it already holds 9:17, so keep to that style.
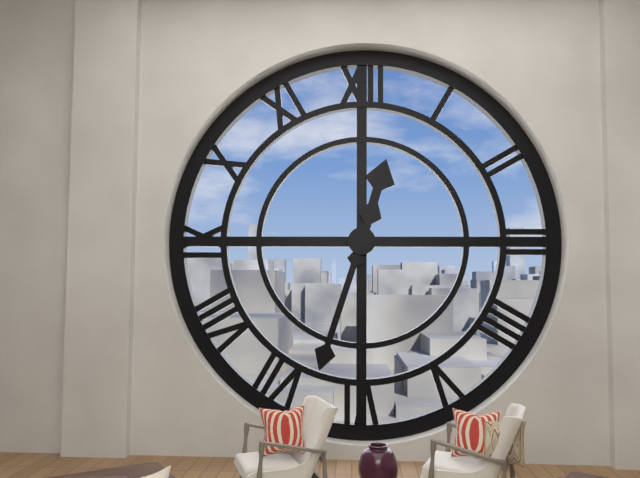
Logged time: 12:33
